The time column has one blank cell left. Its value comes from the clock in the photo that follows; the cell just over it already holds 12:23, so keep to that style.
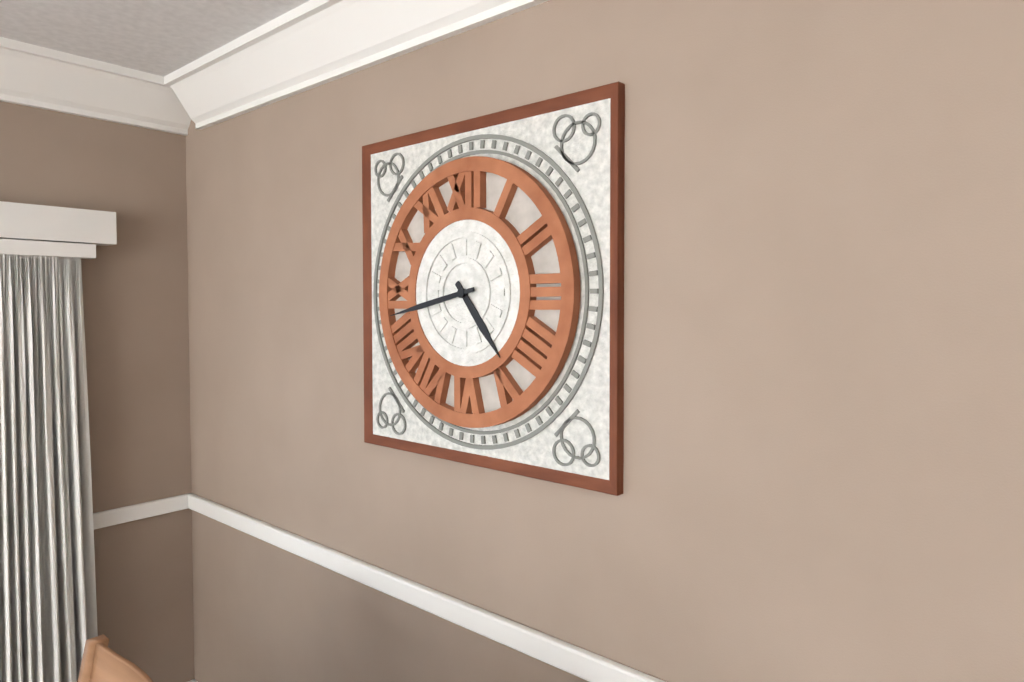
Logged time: 4:43
